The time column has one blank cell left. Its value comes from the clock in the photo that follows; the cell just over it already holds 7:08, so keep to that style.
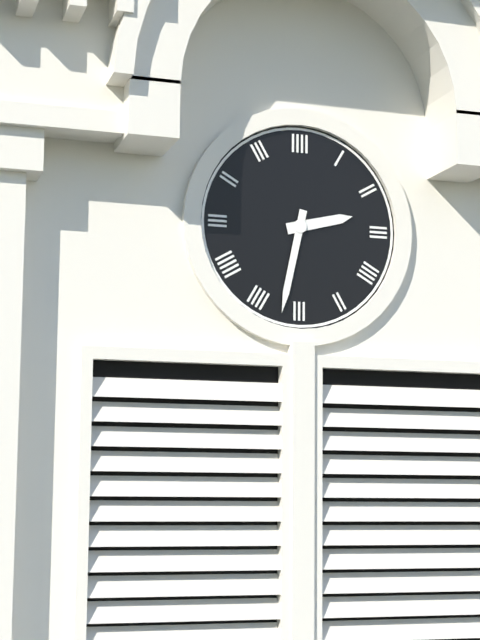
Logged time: 2:32
